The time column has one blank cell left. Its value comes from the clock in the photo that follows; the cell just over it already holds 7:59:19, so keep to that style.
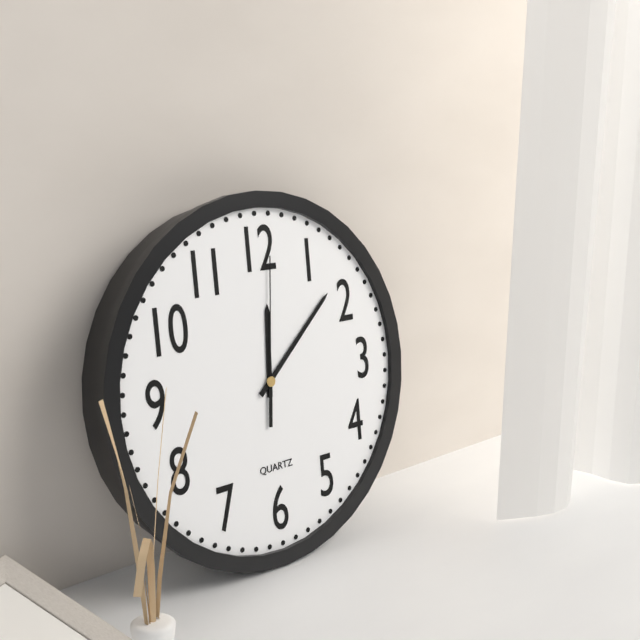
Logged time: 12:08:01
